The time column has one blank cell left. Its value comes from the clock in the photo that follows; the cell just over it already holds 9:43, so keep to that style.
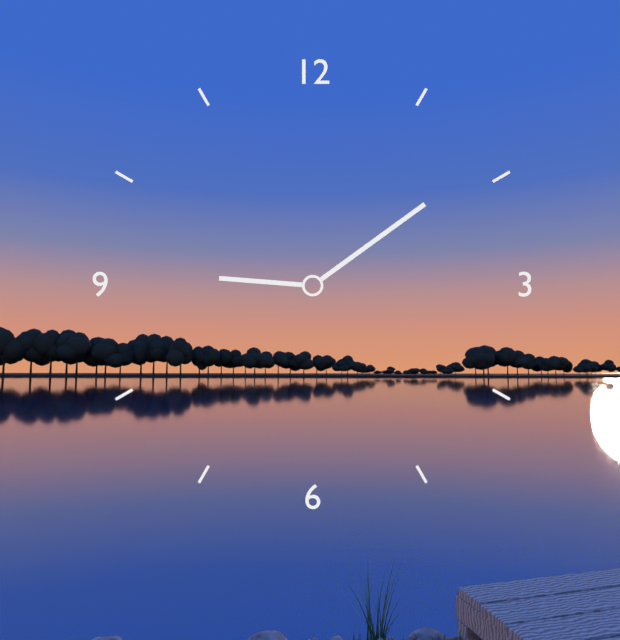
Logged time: 9:09
